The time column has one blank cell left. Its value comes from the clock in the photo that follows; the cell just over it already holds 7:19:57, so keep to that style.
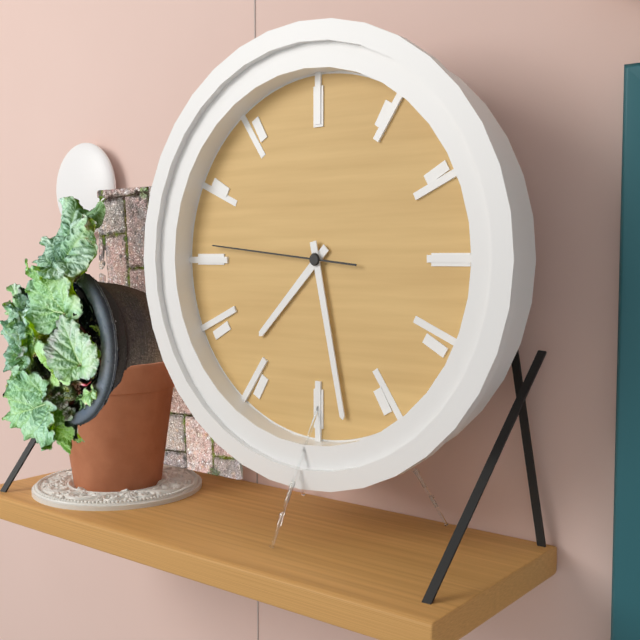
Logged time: 7:28:46
